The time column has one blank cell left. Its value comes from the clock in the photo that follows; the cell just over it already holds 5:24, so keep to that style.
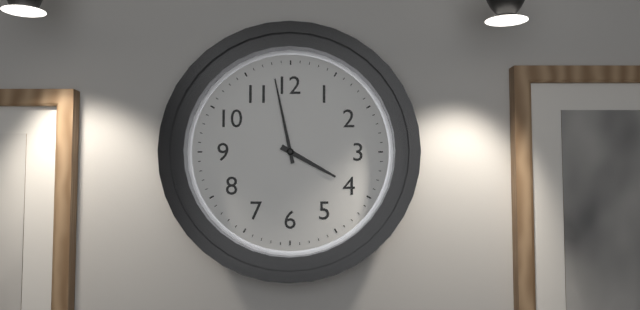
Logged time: 3:58
